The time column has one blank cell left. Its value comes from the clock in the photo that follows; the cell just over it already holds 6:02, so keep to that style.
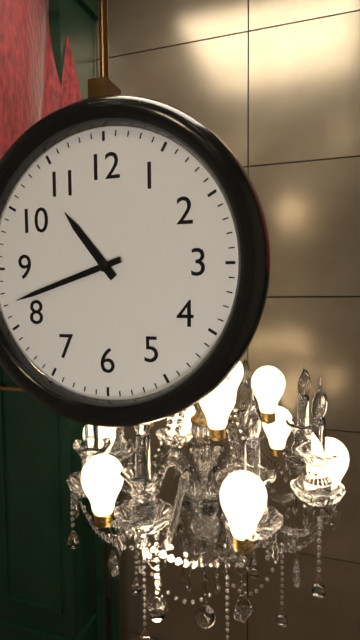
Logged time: 10:42
